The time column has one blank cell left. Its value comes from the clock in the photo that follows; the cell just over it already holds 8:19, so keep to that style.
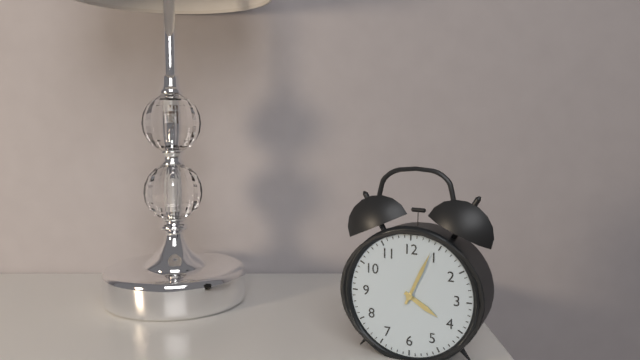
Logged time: 4:04
